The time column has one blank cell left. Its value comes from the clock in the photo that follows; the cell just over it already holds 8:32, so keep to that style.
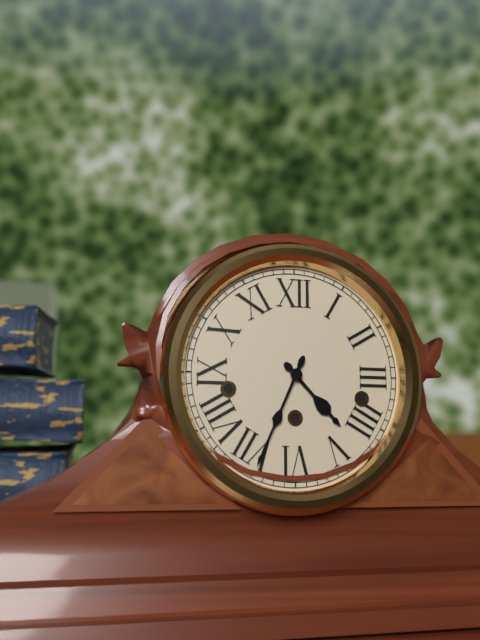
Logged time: 4:34
